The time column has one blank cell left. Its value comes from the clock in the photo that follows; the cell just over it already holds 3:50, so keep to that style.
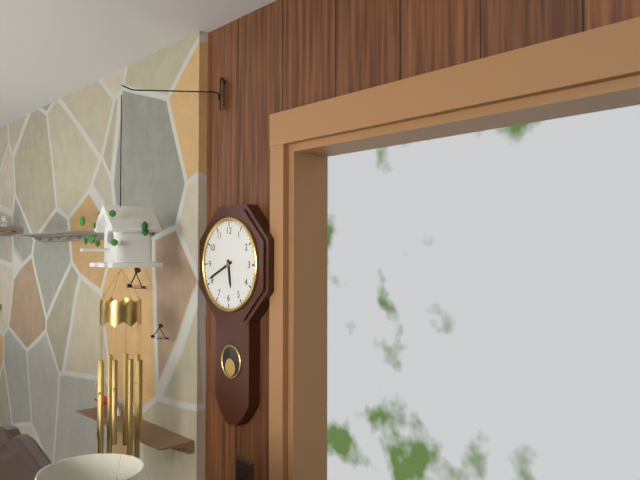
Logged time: 5:41
